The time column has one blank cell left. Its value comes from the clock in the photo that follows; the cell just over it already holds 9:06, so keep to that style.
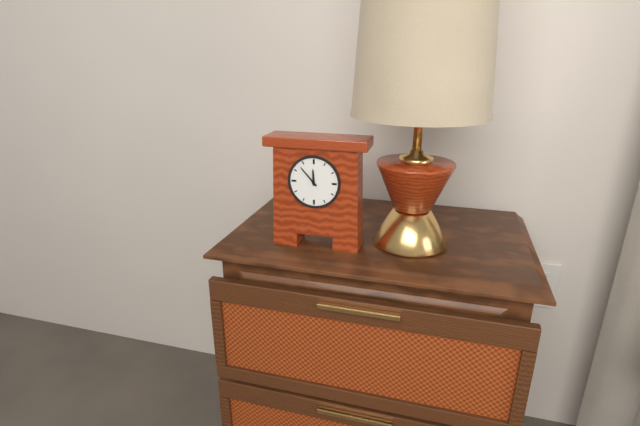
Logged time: 11:53
